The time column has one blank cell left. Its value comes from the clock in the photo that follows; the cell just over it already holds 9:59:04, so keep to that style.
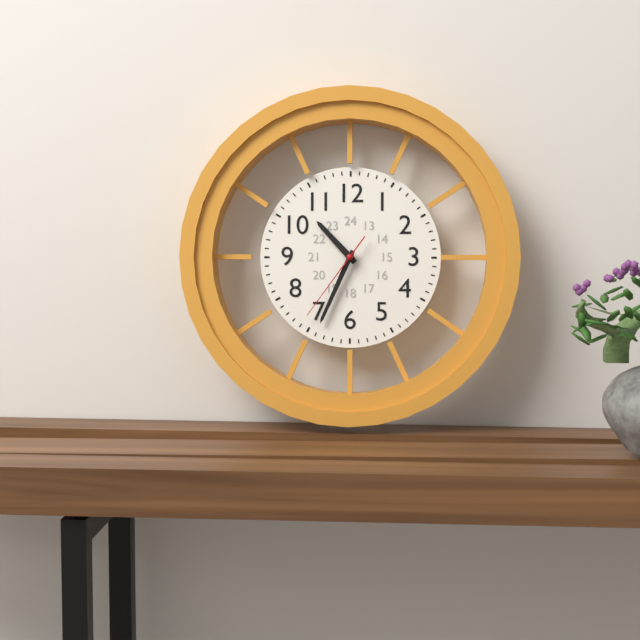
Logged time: 10:34:36
